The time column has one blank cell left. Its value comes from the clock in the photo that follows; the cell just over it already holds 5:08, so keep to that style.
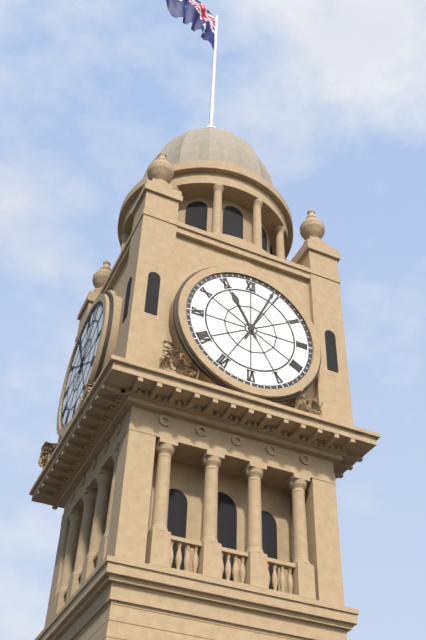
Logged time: 11:04
